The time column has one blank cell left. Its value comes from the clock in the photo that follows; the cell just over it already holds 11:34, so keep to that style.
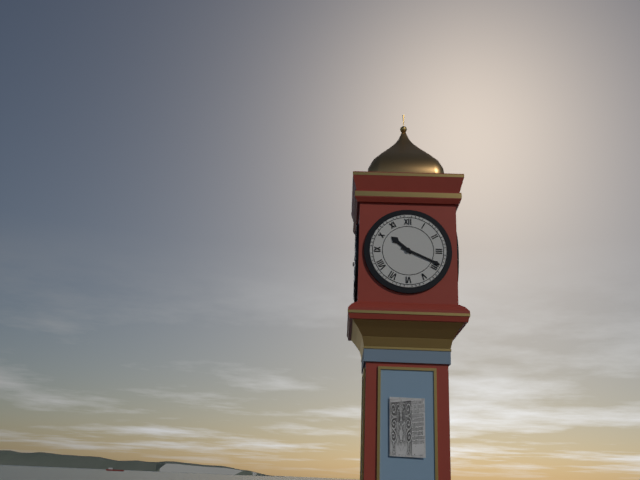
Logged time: 10:19
